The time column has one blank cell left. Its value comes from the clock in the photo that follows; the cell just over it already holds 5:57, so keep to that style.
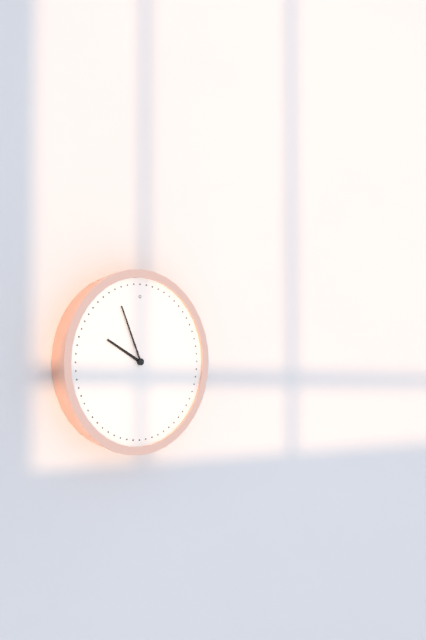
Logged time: 9:56
